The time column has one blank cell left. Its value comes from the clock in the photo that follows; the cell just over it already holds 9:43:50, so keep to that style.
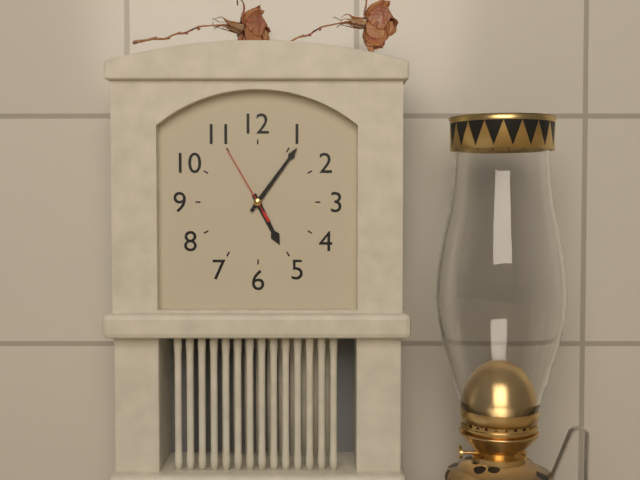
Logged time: 5:06:55
